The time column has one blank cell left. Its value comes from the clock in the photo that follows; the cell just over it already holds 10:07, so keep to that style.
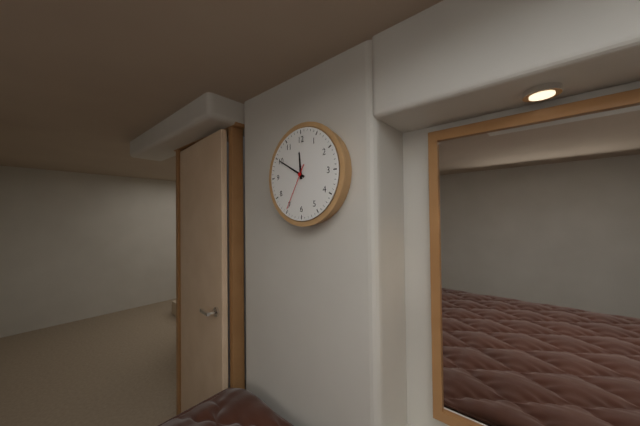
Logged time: 11:50
